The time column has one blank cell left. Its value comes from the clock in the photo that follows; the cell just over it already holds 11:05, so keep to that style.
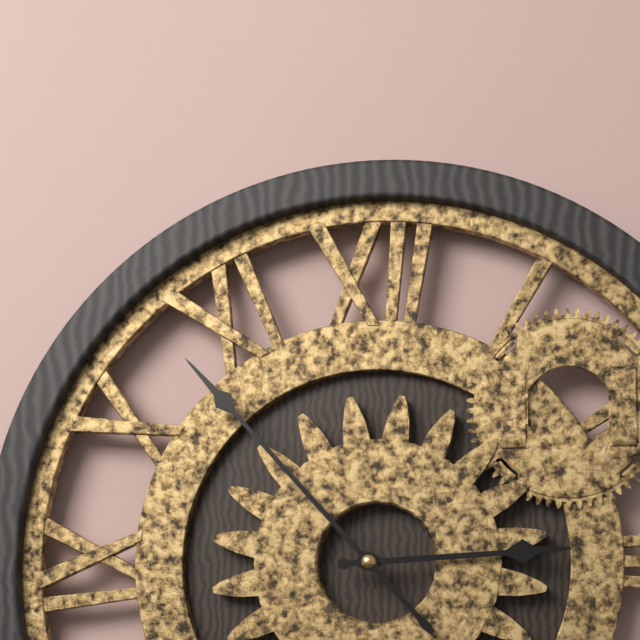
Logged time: 2:53
